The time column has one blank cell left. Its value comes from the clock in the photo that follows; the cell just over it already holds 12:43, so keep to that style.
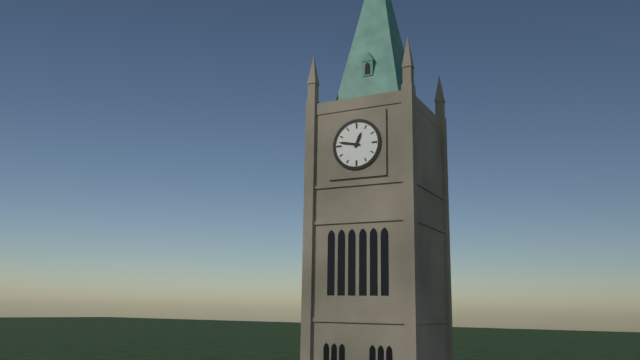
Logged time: 12:47
